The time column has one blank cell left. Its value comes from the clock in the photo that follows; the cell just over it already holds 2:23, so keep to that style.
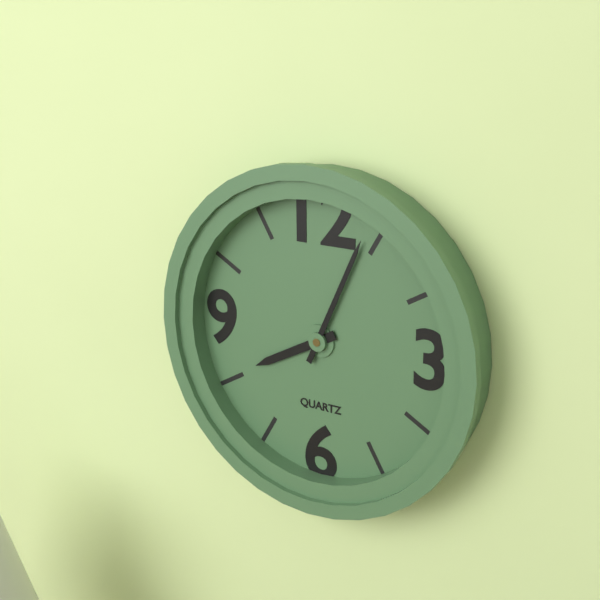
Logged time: 8:04
